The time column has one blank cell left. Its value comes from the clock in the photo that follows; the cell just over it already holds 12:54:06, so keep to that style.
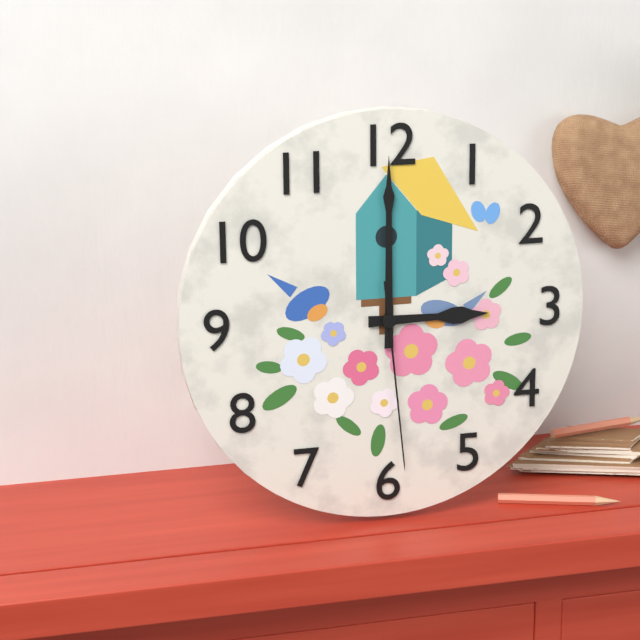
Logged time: 3:00:29
